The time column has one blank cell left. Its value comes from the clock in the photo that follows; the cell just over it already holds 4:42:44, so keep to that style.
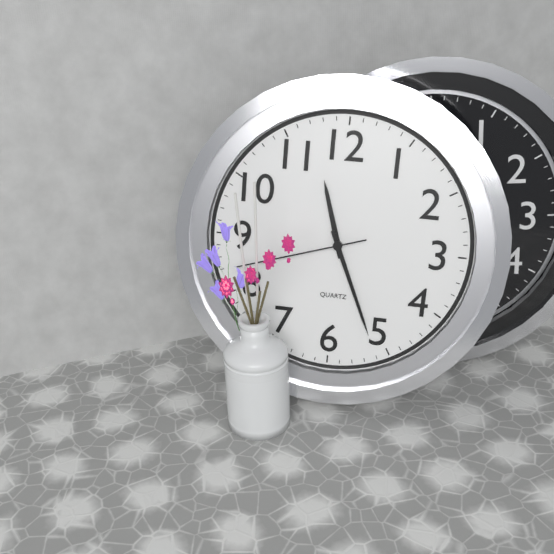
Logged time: 11:26:42
